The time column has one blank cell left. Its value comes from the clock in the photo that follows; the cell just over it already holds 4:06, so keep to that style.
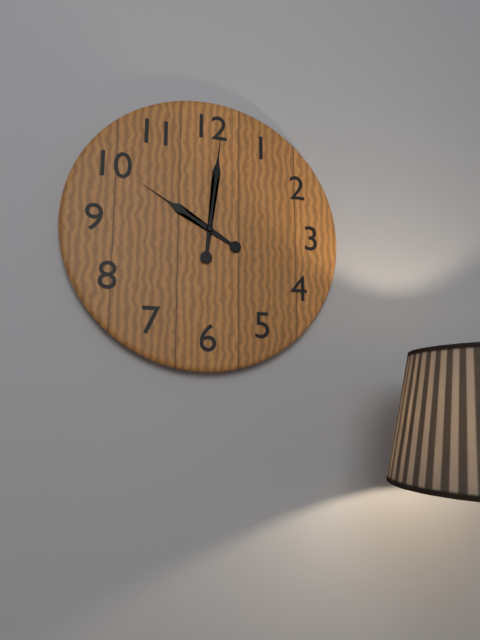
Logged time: 10:01
